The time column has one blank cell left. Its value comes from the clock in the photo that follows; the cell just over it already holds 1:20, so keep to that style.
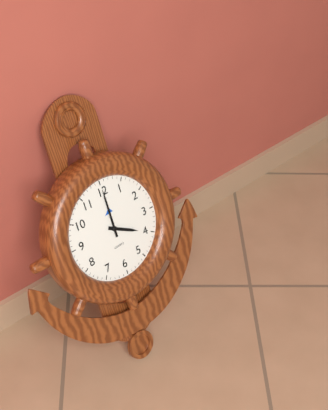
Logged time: 4:00
